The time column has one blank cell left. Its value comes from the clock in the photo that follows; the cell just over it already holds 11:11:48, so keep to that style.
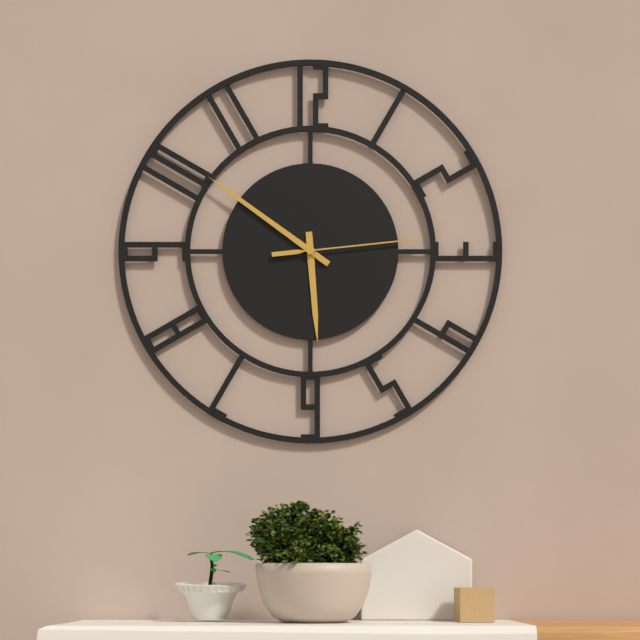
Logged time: 5:51:14
